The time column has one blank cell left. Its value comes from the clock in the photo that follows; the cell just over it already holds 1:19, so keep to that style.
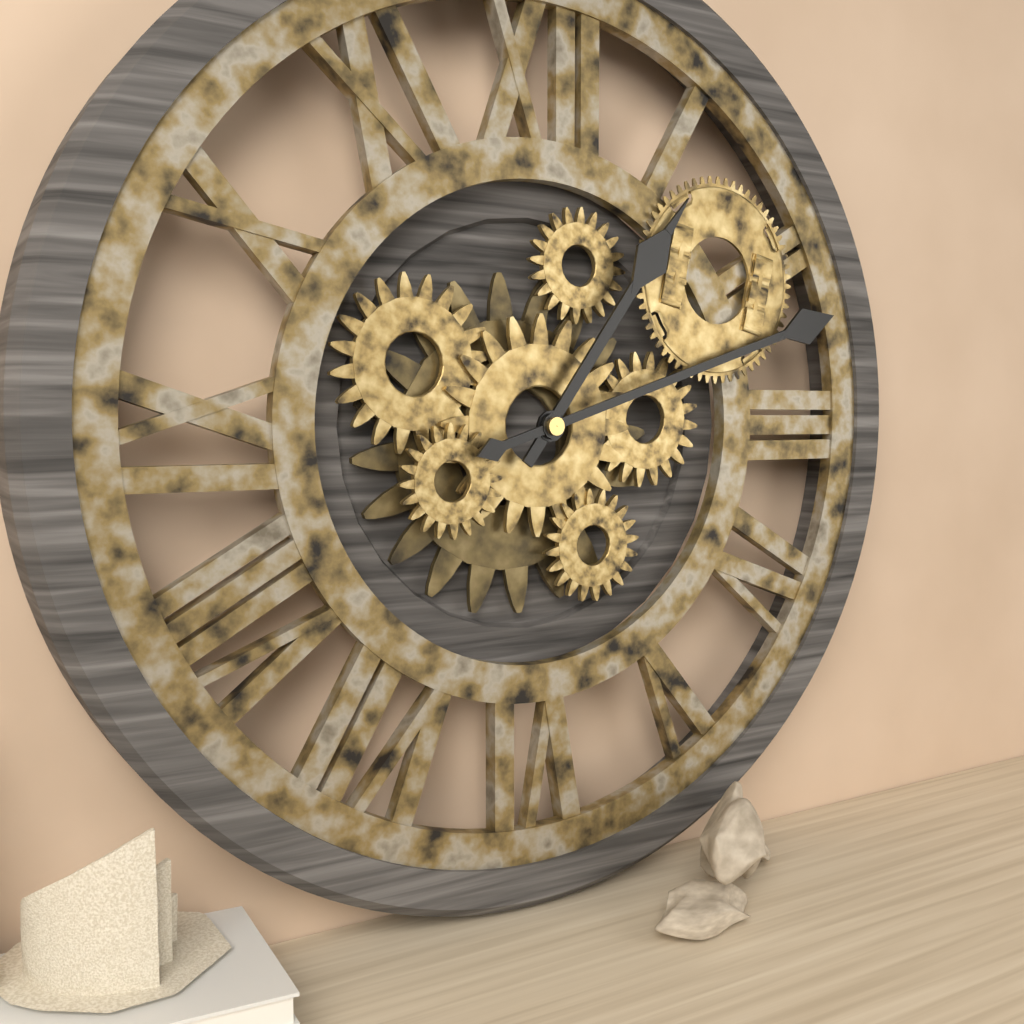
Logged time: 1:12
